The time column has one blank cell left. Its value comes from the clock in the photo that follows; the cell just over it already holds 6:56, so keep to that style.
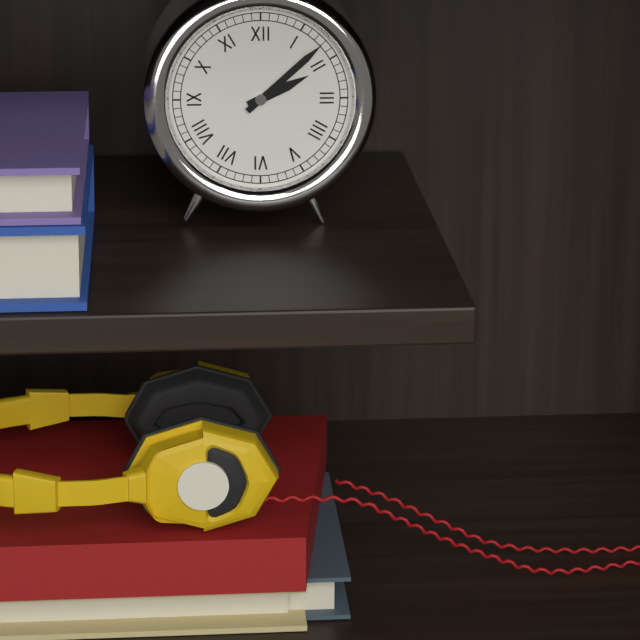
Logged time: 2:08
